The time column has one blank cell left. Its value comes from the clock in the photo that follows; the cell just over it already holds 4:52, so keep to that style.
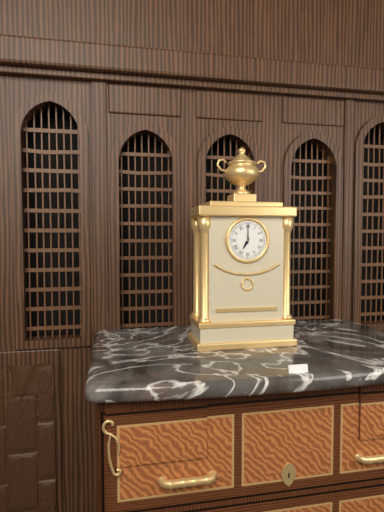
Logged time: 7:00
